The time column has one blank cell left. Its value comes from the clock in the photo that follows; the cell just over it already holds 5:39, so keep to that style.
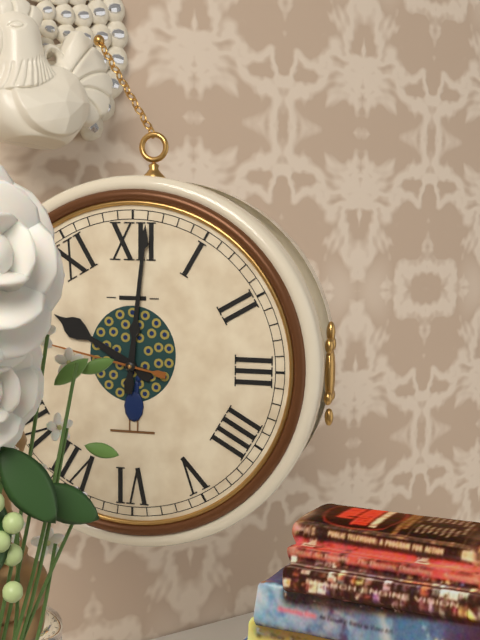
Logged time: 10:01
